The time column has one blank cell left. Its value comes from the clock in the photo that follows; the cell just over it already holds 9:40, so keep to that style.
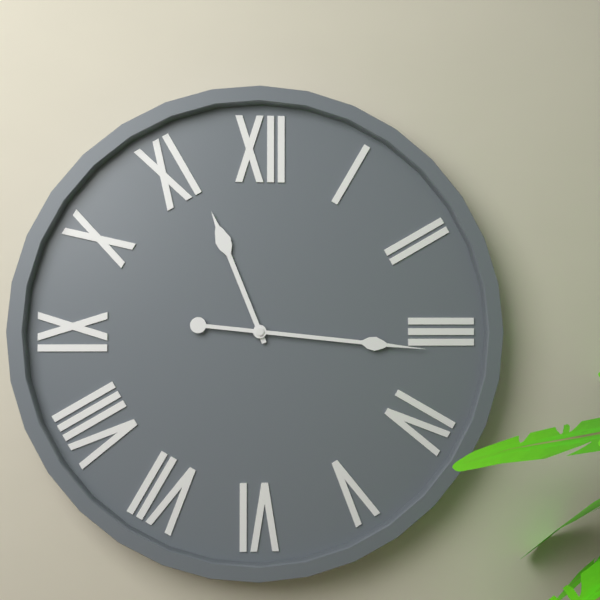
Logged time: 11:16
